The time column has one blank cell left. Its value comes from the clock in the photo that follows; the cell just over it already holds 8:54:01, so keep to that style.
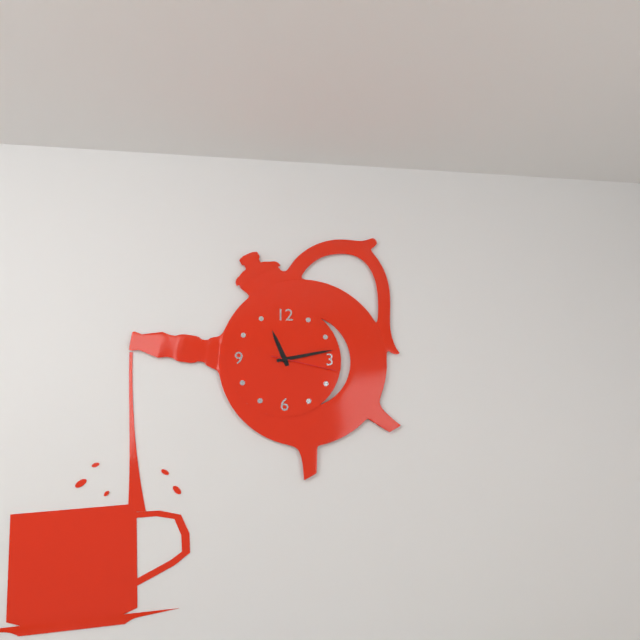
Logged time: 11:13:17
